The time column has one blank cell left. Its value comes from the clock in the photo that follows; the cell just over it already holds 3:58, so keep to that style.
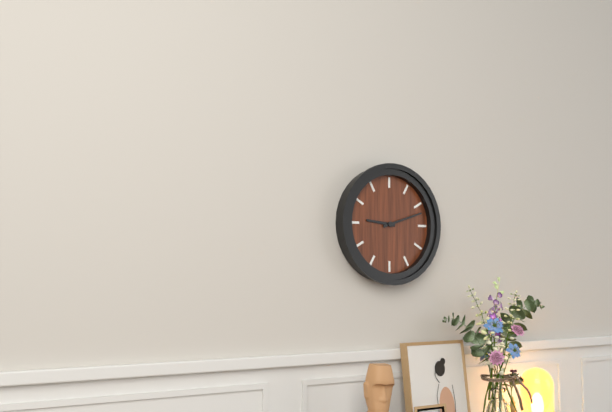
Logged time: 9:12
